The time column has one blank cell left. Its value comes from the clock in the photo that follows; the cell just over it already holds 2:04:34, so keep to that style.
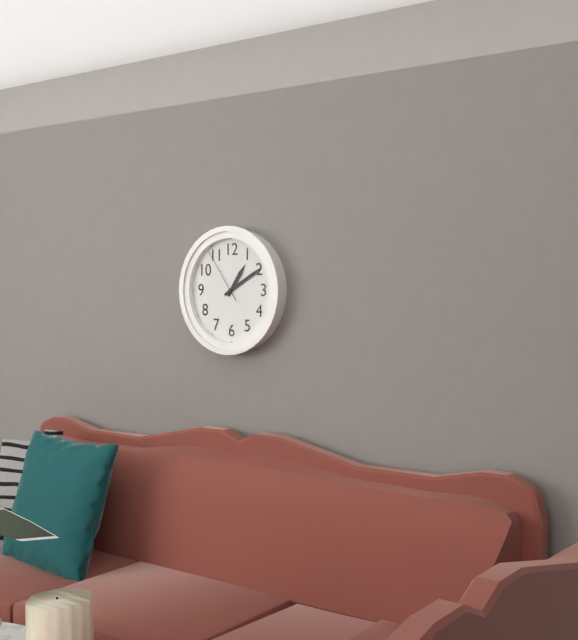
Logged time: 1:10:54
